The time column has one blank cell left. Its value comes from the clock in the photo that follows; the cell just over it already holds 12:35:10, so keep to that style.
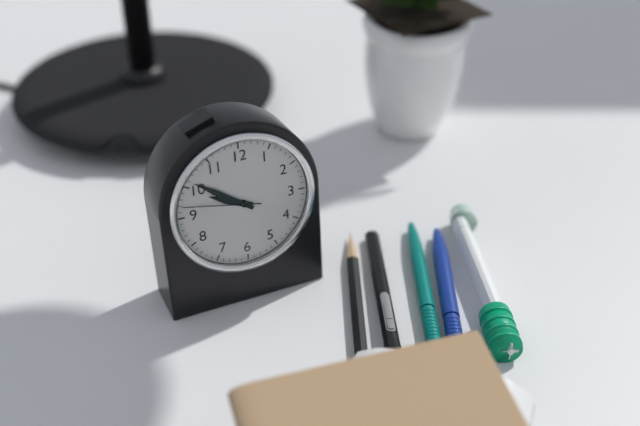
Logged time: 9:51:47
